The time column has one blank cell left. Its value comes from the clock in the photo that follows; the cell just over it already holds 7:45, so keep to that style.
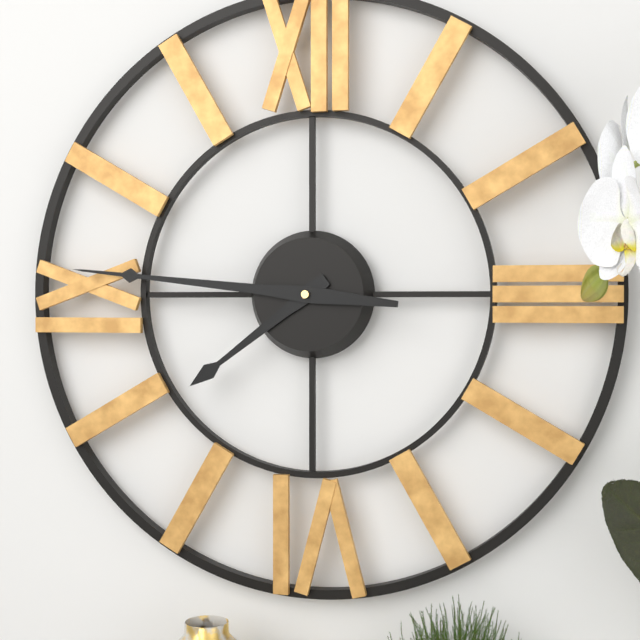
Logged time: 7:46
